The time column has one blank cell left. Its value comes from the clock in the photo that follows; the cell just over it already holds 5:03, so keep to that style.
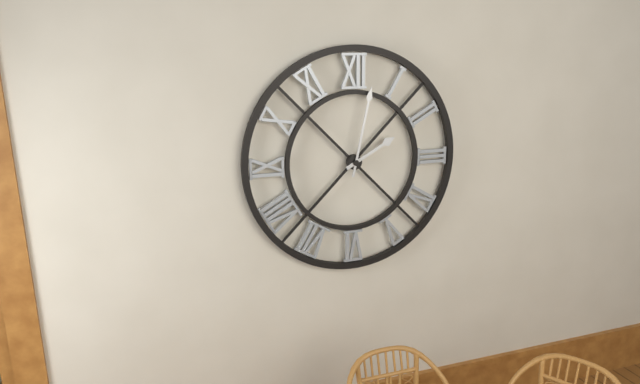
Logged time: 2:02
